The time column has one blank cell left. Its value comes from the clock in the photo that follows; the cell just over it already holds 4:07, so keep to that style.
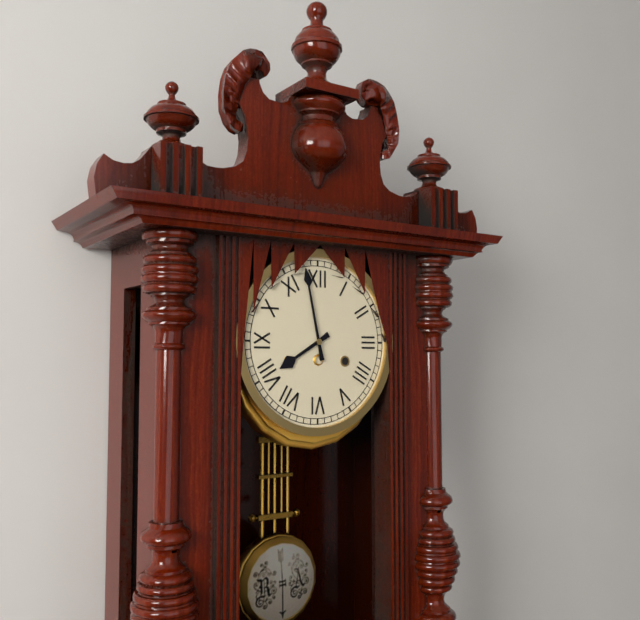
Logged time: 7:58
